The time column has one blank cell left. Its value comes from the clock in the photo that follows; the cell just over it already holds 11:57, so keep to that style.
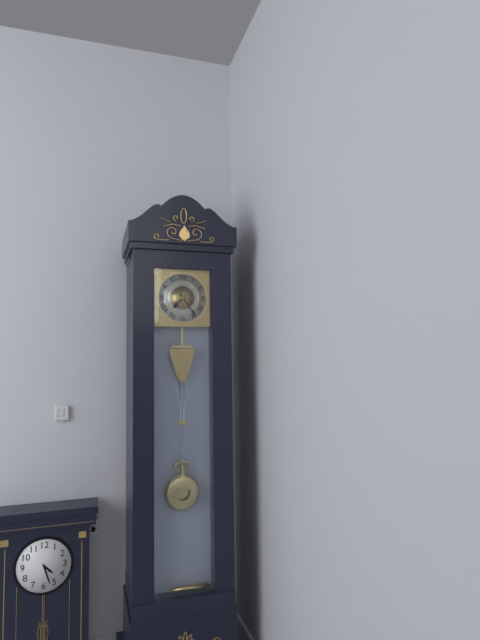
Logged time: 7:24
